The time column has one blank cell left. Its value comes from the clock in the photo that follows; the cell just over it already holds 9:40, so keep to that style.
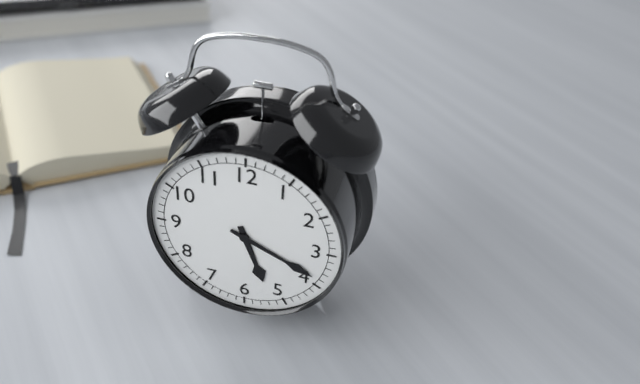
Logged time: 5:19
